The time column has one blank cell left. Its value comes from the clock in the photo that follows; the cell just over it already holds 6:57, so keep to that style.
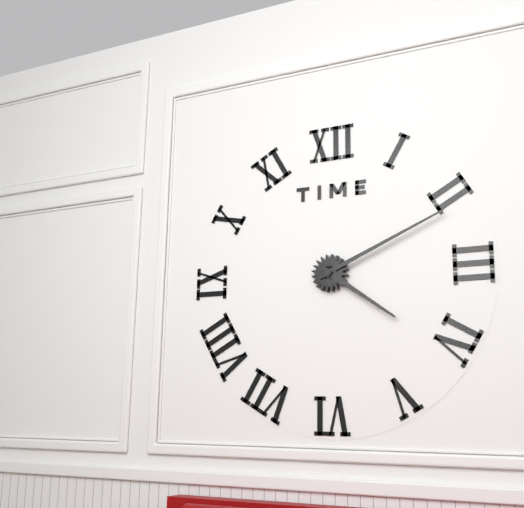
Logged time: 4:11
